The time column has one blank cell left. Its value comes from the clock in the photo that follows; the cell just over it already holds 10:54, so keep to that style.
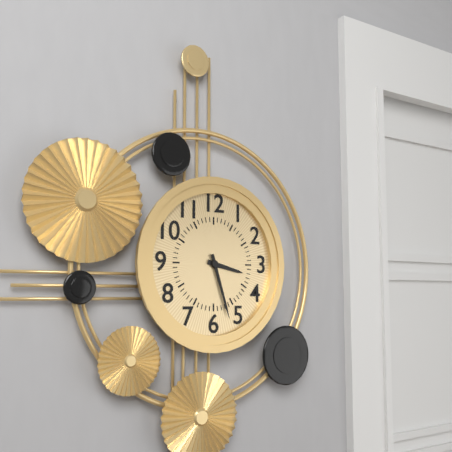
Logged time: 3:27
